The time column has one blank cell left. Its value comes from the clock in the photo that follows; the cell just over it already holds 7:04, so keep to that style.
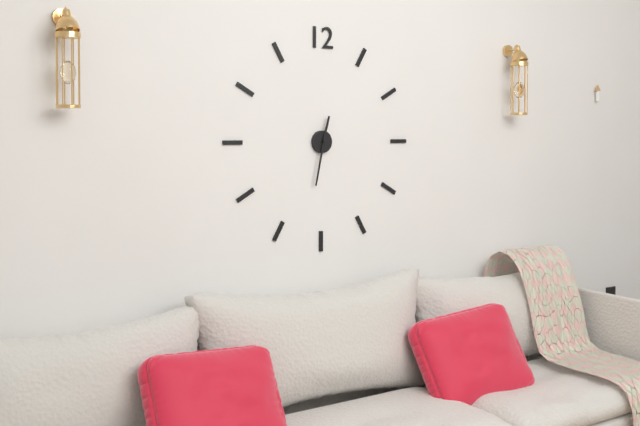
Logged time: 12:32
